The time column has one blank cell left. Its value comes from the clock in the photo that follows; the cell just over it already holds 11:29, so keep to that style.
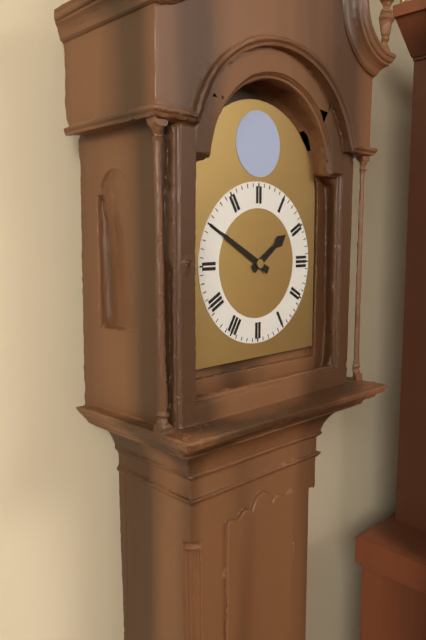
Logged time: 1:50
